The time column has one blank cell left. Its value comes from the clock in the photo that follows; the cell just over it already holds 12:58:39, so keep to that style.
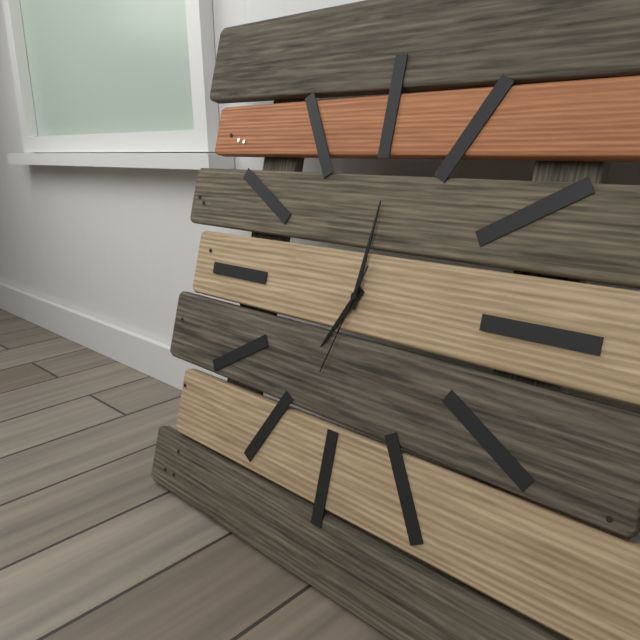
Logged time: 7:01:33
